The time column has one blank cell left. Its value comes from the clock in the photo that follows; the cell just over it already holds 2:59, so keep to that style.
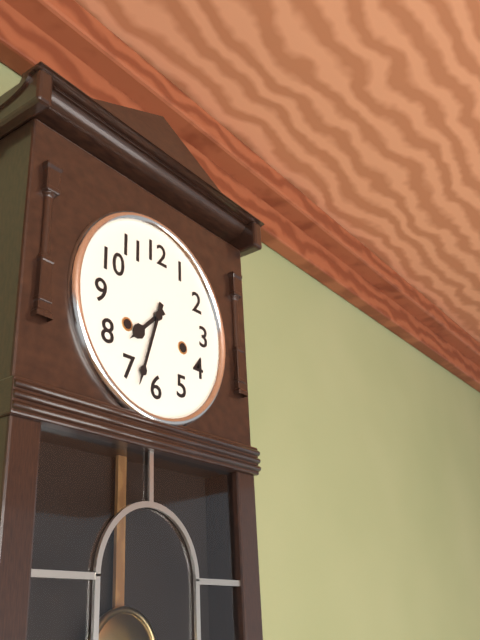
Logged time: 7:33
